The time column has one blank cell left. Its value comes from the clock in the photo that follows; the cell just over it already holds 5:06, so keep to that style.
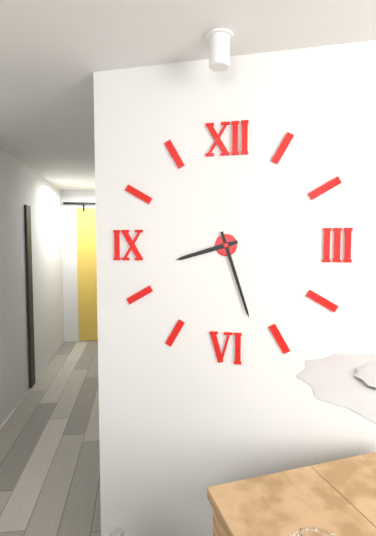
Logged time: 8:27
